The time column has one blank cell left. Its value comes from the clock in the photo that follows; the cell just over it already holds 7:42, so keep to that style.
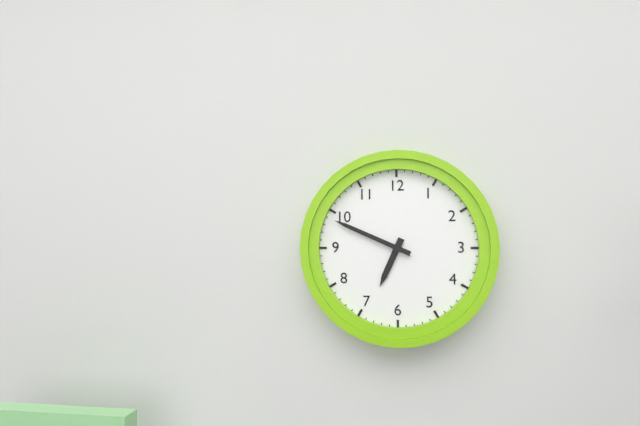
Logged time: 6:49
